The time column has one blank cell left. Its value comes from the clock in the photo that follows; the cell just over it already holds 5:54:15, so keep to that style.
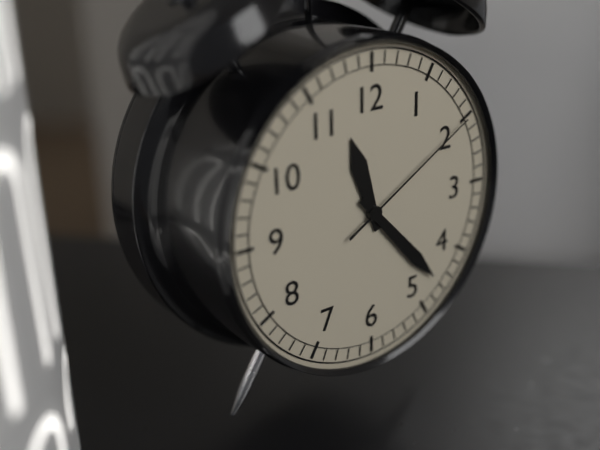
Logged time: 11:23:10
